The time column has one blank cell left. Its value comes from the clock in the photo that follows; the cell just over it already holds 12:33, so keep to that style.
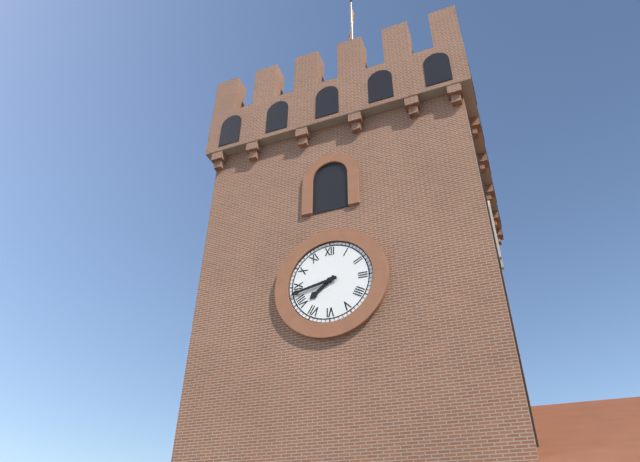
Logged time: 7:43
